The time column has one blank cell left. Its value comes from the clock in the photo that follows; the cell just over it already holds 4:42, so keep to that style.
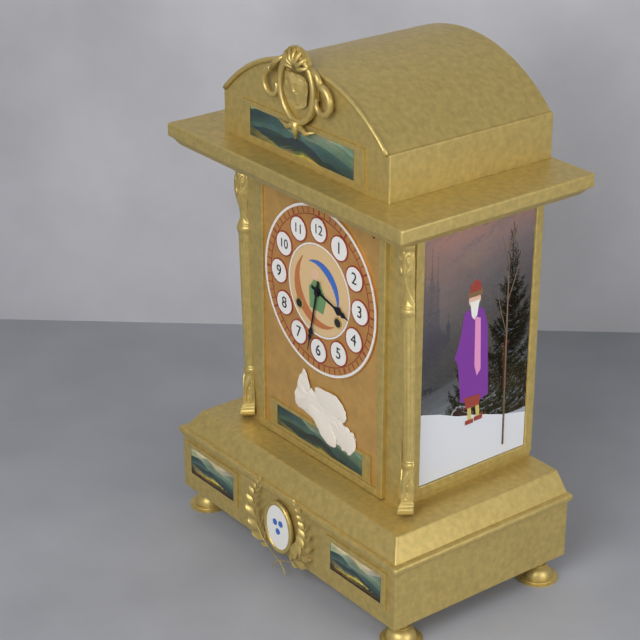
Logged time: 3:32
